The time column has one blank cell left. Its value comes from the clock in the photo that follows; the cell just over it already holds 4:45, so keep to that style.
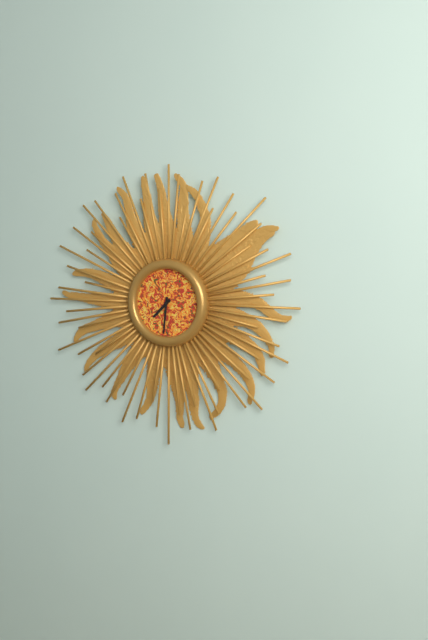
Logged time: 7:31
